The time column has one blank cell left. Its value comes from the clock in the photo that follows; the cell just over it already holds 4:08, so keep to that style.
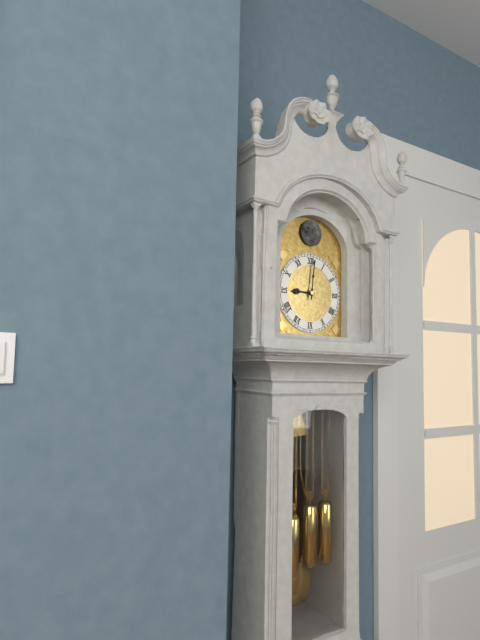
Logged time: 9:01
